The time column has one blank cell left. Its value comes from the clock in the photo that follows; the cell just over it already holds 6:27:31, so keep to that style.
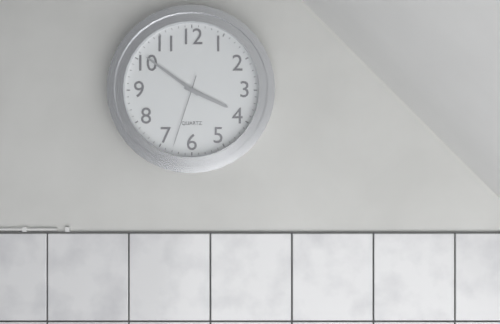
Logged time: 3:51:33
